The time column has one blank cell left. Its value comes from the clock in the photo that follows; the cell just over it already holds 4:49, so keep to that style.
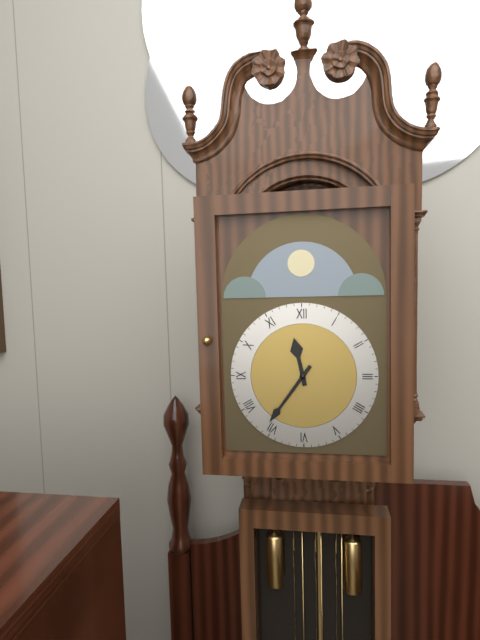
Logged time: 11:36
